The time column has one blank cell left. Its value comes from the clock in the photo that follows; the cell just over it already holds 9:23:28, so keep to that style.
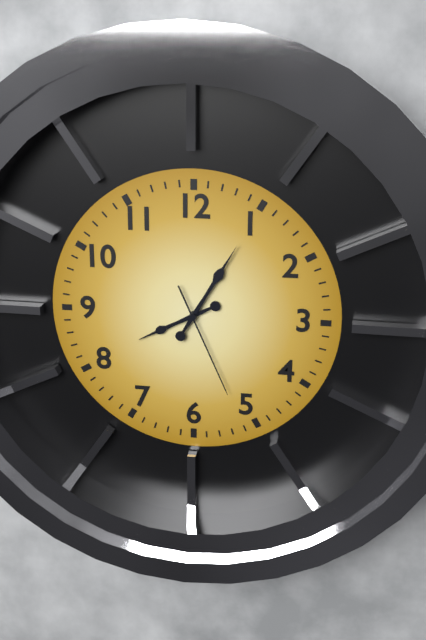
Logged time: 8:05:26
